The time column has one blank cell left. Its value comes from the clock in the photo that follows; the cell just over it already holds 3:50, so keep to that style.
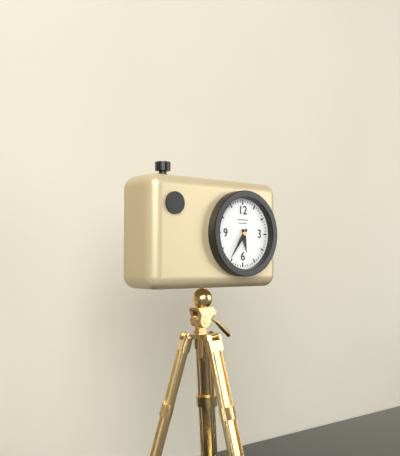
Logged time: 5:36
